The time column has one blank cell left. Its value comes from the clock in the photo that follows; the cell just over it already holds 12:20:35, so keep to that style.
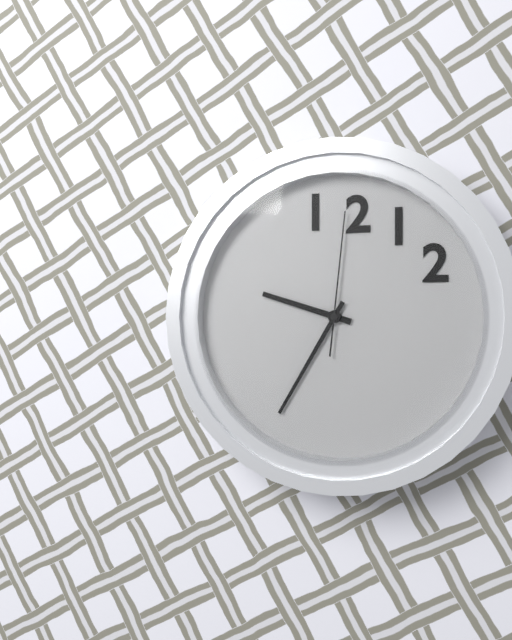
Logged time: 9:35:01
